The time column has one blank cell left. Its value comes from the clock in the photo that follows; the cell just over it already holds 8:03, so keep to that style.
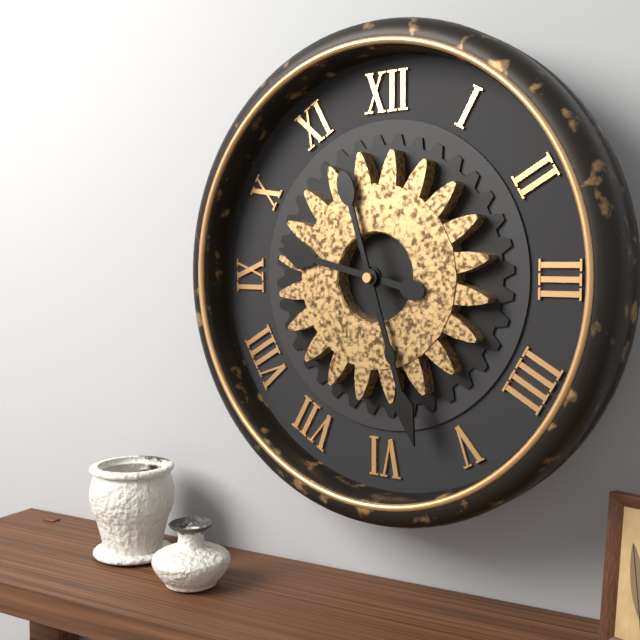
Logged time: 9:27
